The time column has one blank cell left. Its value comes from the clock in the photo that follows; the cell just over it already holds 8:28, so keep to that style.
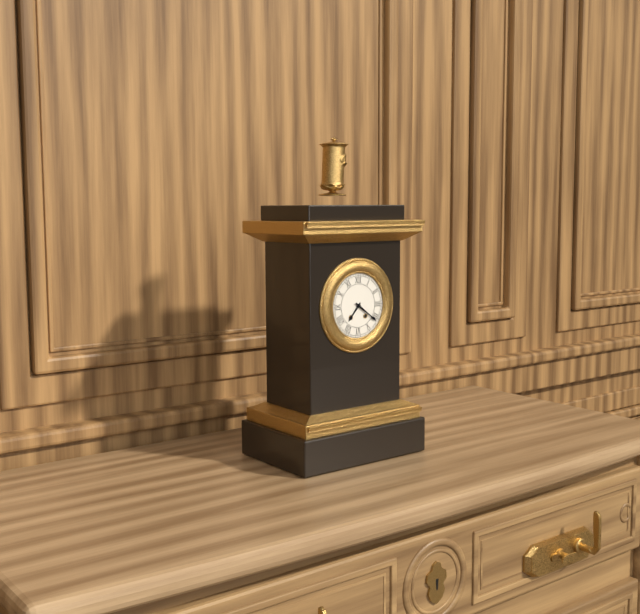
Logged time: 7:21
